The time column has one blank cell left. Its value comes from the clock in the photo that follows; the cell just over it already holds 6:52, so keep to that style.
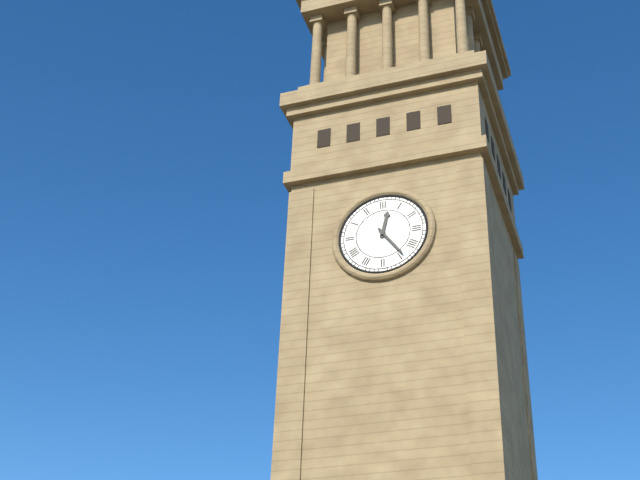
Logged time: 12:24
